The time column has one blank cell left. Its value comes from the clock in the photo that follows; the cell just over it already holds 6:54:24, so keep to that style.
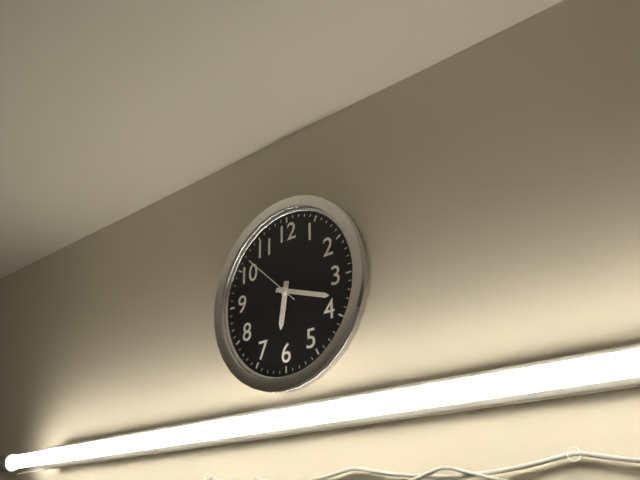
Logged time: 6:18:52
